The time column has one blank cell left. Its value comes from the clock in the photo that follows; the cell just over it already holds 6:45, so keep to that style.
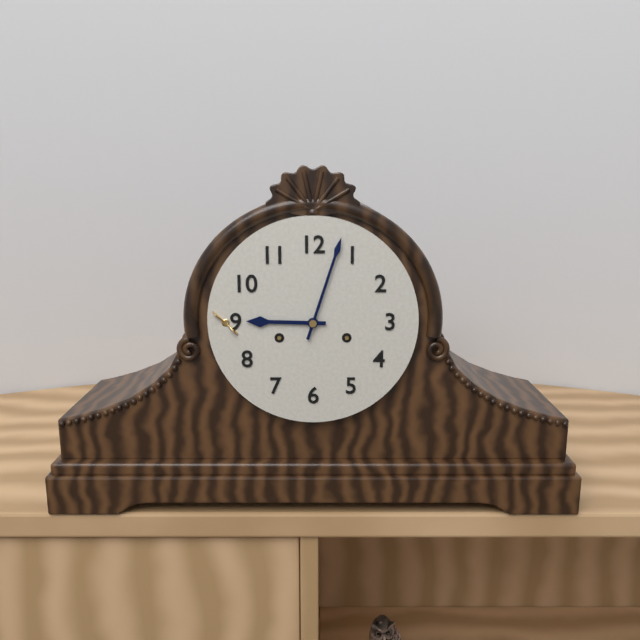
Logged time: 9:03
